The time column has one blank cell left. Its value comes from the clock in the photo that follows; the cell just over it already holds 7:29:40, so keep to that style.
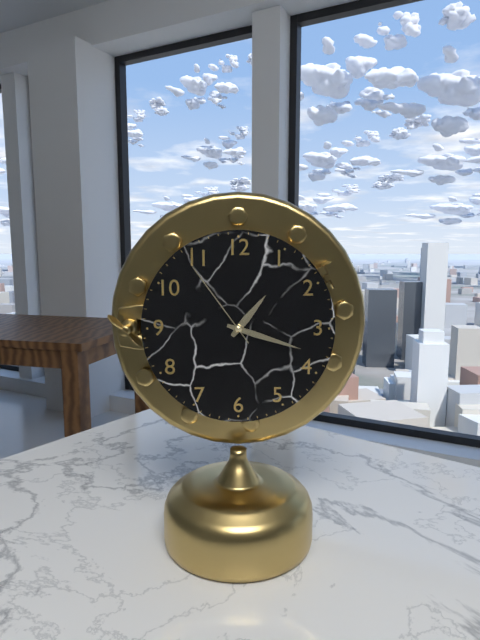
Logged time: 1:18:54
